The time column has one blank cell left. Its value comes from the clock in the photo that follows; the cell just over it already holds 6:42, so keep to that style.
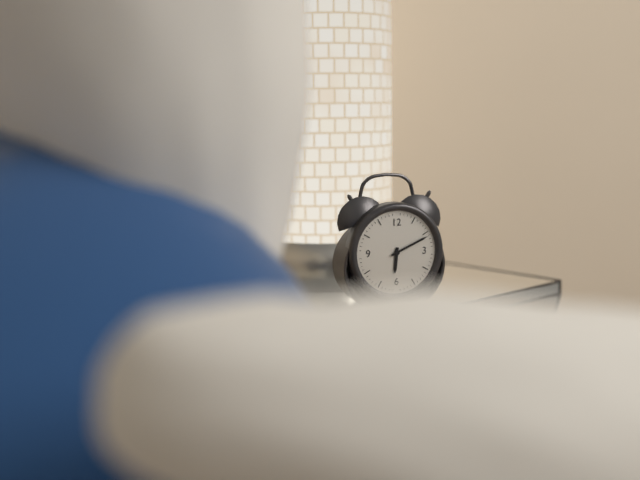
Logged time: 6:11
